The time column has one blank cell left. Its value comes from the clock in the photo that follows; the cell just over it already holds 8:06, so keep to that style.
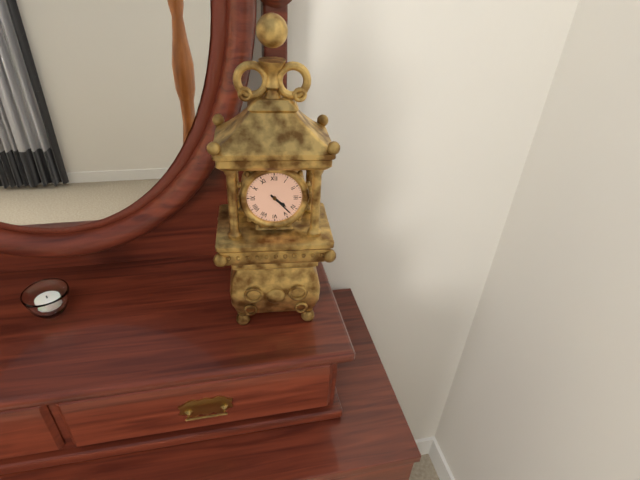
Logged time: 4:23
